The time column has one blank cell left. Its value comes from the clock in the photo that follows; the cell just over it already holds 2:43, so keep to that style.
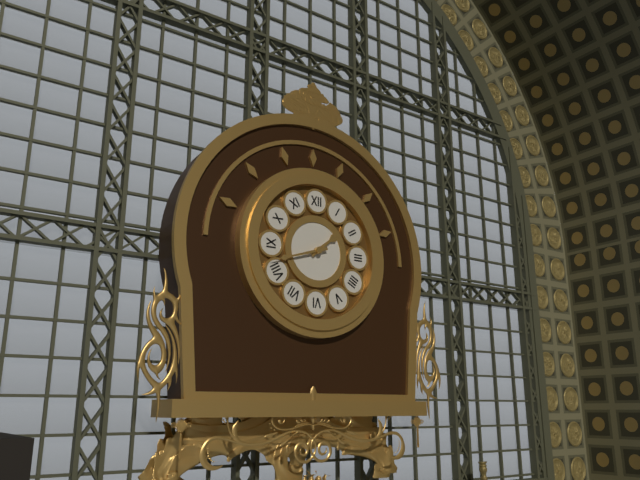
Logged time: 1:42
